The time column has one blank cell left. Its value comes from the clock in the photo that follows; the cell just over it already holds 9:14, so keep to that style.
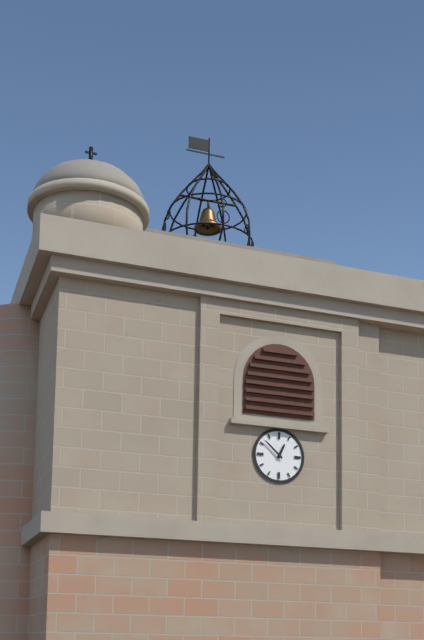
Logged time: 12:52
